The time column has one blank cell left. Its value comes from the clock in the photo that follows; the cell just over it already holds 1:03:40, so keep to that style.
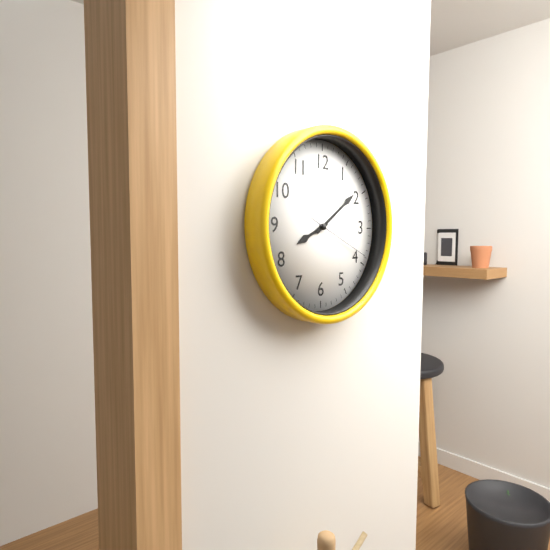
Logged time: 8:09:19
